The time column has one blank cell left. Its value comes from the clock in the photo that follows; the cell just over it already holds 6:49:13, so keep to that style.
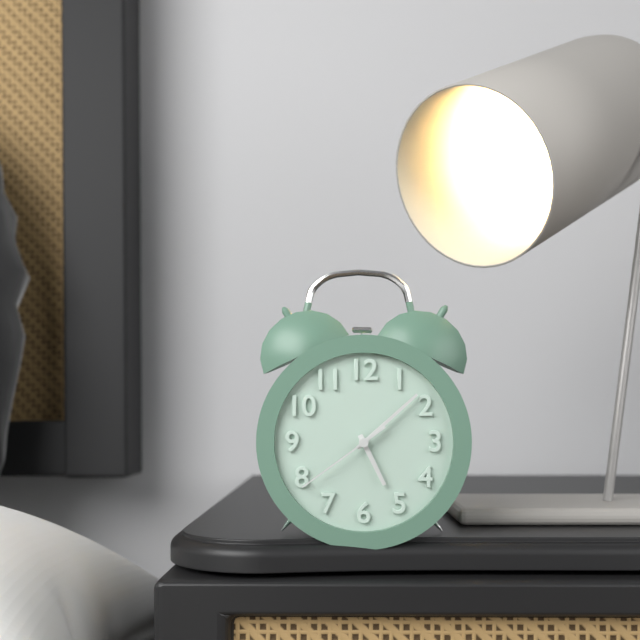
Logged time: 5:08:39
